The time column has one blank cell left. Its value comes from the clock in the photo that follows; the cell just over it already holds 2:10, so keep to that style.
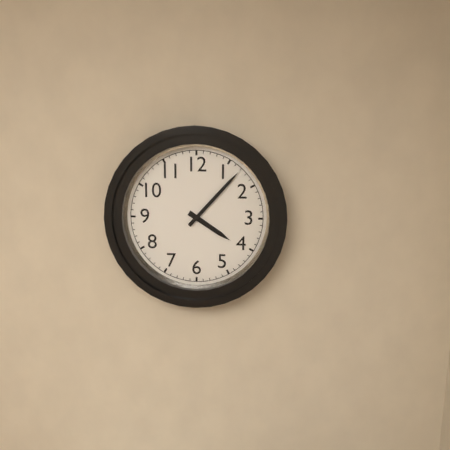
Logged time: 4:07
